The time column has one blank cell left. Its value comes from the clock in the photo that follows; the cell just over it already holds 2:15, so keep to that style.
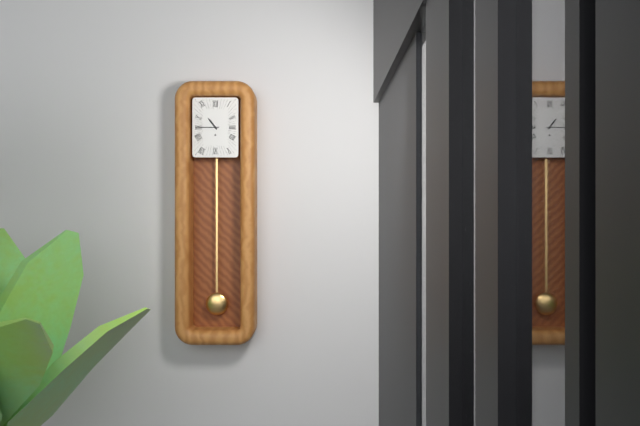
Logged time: 10:45
